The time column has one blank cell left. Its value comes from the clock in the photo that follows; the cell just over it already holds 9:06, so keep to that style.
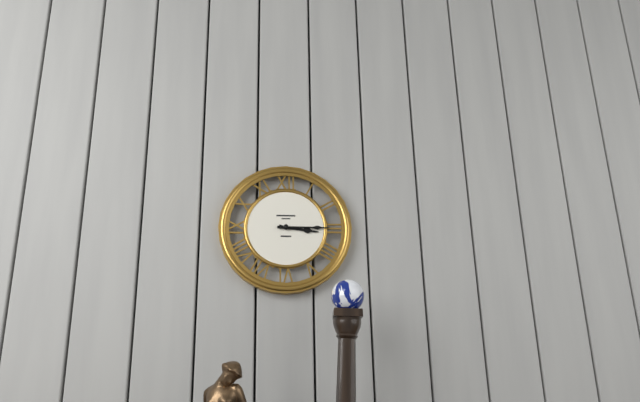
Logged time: 3:15
